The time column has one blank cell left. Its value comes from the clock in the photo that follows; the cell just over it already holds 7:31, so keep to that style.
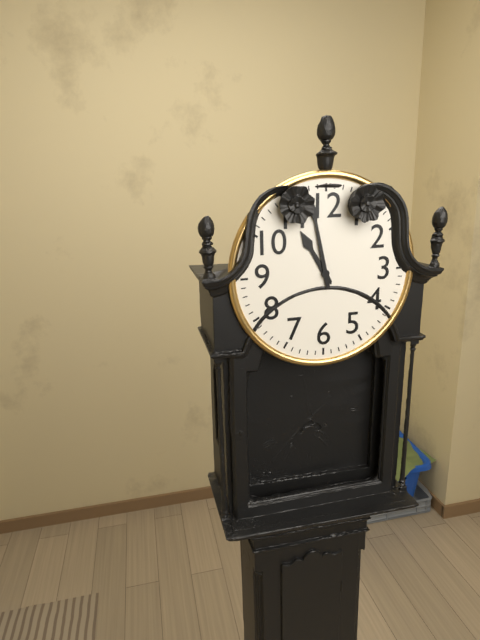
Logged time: 10:58
